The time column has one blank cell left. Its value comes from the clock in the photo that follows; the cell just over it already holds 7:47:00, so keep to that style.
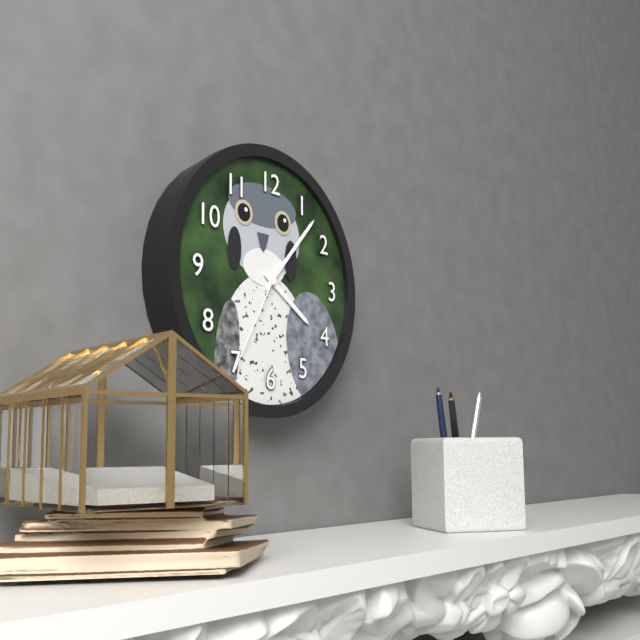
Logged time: 4:07:35
